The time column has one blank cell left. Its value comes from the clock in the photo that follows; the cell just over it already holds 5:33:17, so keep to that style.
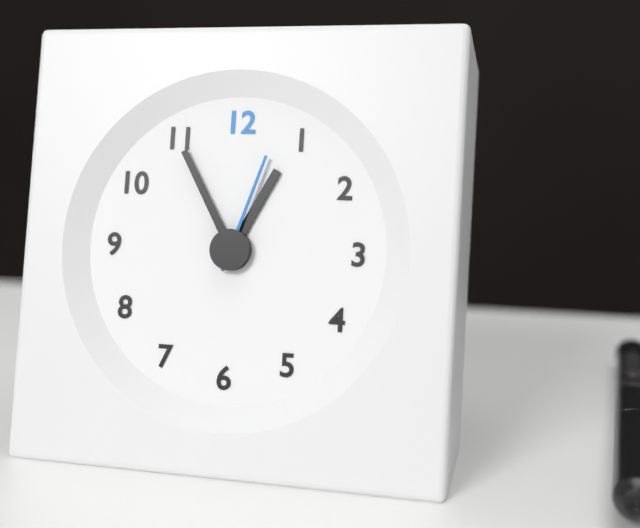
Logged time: 12:55:03
